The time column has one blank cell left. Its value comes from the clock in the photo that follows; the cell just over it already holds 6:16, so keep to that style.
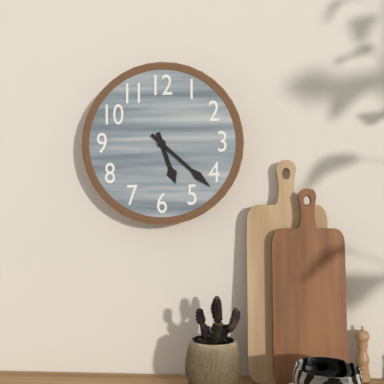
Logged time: 5:22
